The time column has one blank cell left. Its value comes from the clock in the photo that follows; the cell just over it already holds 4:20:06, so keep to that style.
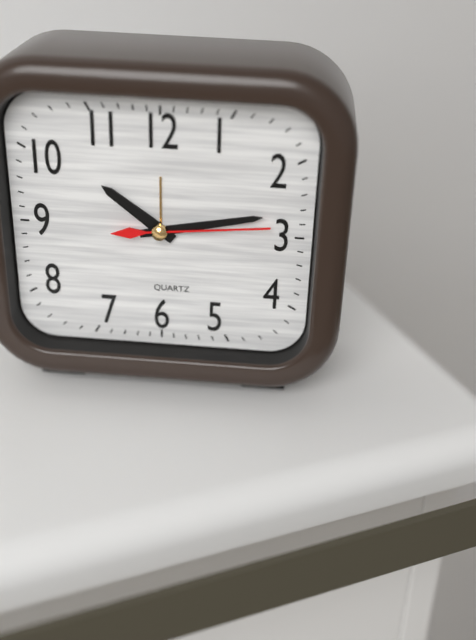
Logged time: 10:13:14
